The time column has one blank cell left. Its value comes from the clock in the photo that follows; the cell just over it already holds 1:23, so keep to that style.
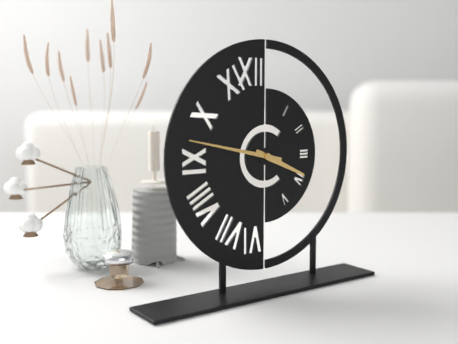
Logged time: 3:47
